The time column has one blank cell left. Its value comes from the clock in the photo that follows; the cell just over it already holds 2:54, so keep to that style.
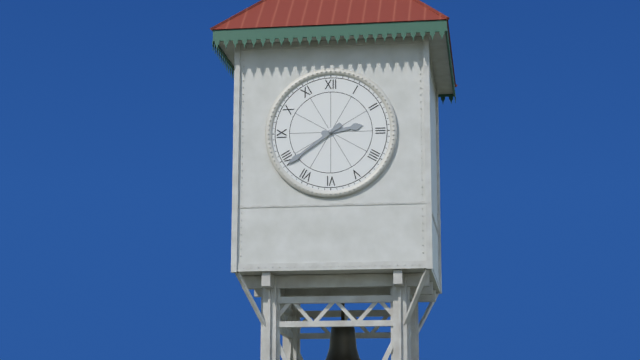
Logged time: 2:39
